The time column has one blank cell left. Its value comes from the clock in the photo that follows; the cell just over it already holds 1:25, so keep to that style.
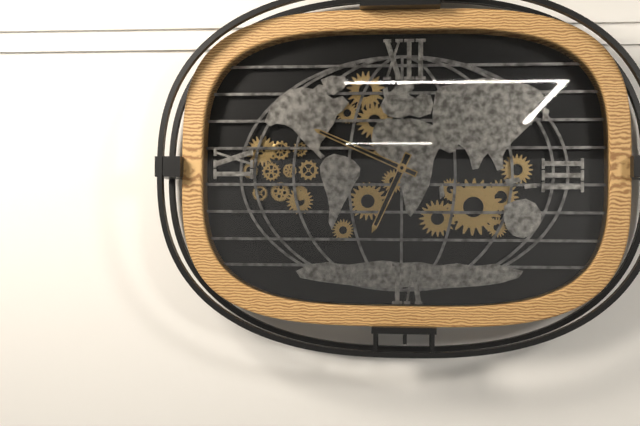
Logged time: 6:49
